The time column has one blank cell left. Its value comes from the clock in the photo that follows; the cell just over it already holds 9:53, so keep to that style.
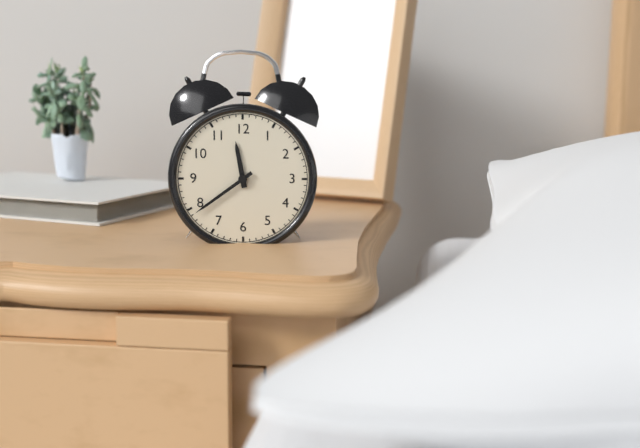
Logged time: 11:39
